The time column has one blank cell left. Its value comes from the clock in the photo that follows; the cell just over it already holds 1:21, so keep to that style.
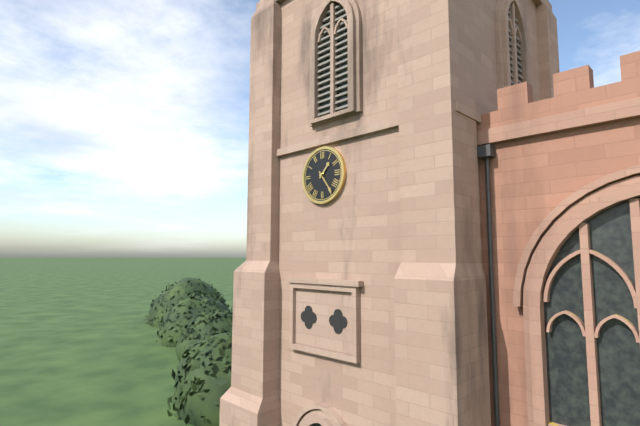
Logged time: 1:24
